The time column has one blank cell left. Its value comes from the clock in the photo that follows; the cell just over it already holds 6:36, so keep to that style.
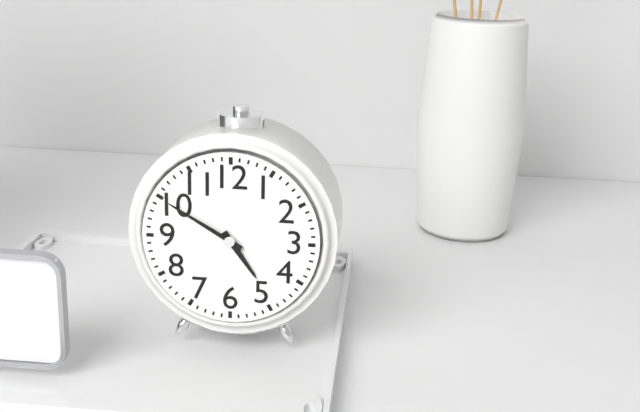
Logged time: 4:50
